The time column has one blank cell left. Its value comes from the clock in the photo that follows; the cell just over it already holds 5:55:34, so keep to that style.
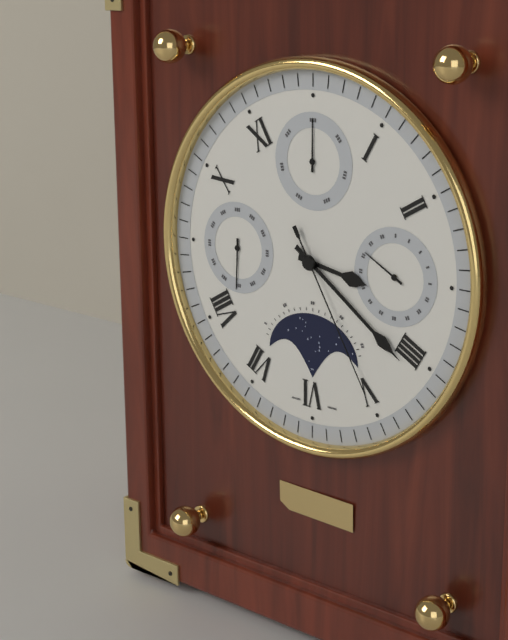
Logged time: 3:21:25
